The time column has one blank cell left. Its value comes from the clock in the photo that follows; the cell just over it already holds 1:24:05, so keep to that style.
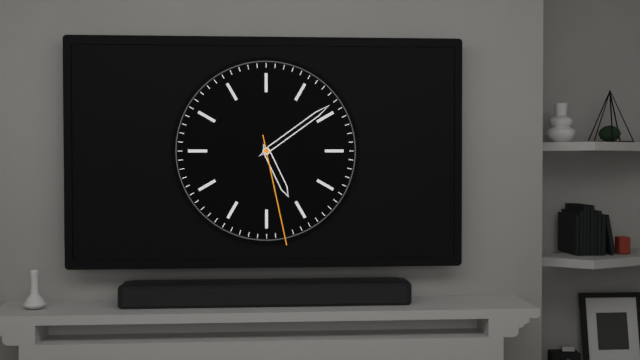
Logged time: 5:09:28
